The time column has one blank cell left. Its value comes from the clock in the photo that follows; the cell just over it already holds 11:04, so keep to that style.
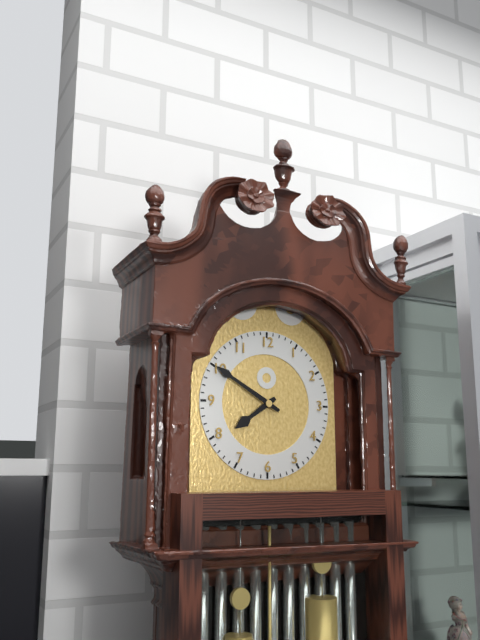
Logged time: 7:50
